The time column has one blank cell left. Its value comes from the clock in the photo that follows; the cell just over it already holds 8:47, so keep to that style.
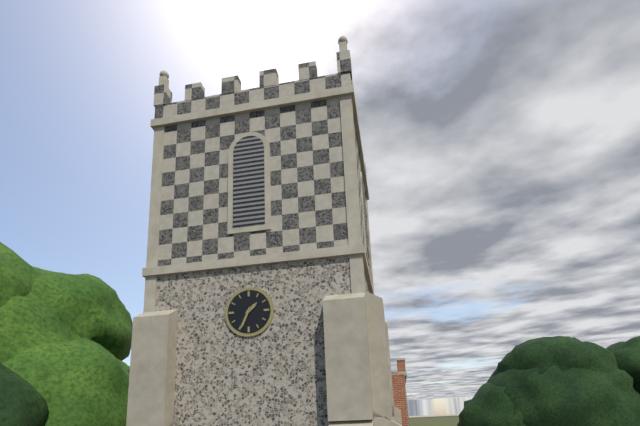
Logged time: 1:34
